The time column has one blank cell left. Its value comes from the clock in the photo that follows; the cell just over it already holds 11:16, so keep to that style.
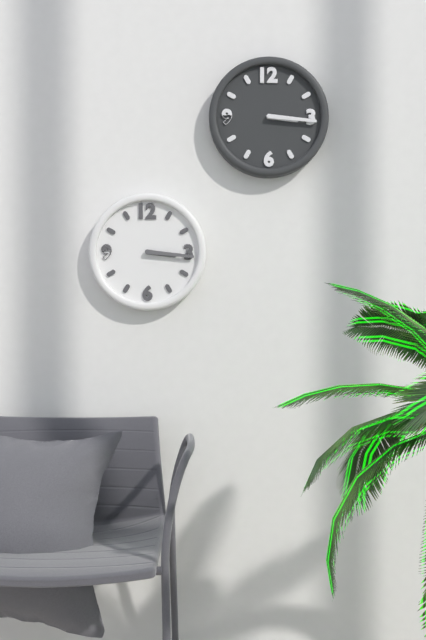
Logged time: 3:16
